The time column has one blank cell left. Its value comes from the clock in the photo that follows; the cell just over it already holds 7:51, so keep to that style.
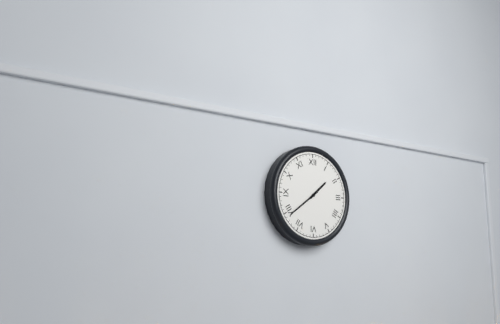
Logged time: 1:39
